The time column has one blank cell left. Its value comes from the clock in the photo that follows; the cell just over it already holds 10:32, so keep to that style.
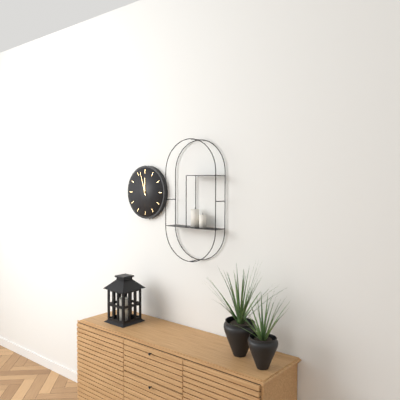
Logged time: 11:57
